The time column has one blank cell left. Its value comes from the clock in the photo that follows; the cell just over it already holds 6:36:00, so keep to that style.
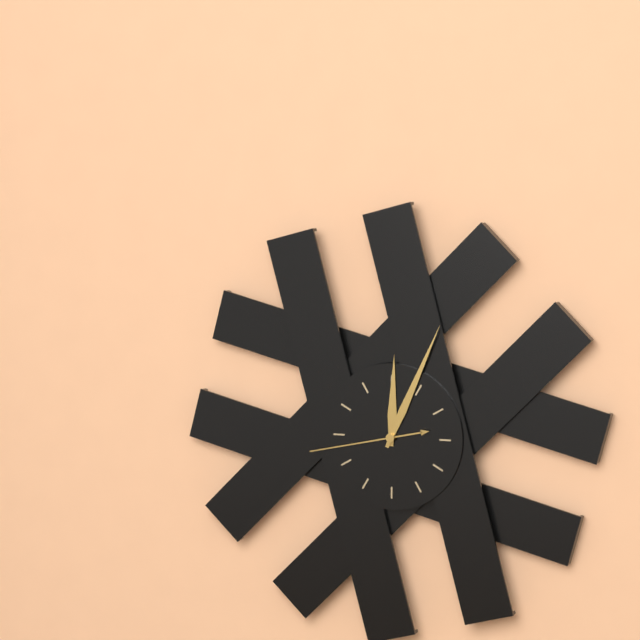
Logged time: 12:04:43
